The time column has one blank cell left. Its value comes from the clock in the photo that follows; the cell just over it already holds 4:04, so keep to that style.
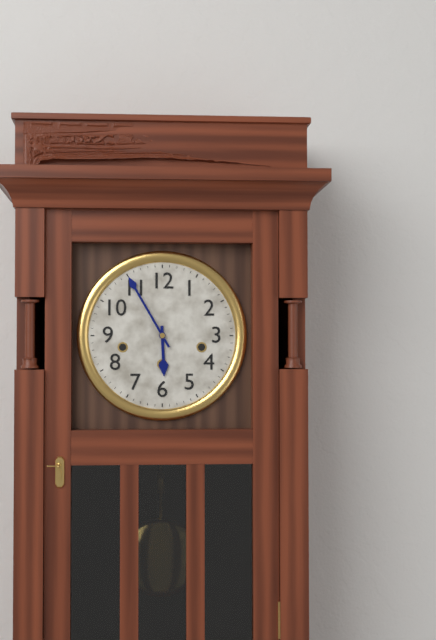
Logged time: 5:55
